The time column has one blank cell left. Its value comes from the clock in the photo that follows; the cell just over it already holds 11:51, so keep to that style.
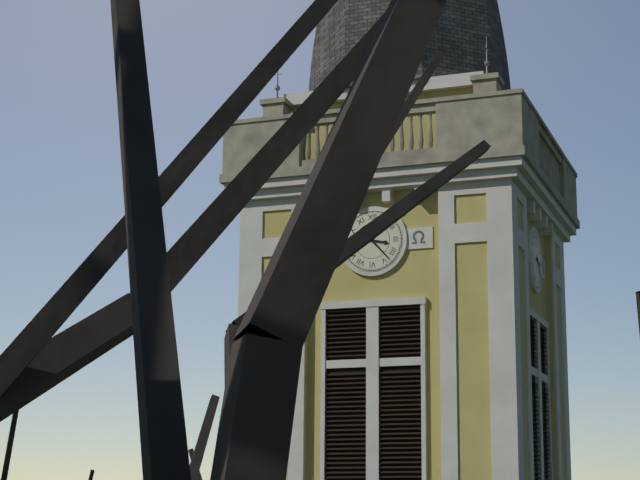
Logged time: 3:23
